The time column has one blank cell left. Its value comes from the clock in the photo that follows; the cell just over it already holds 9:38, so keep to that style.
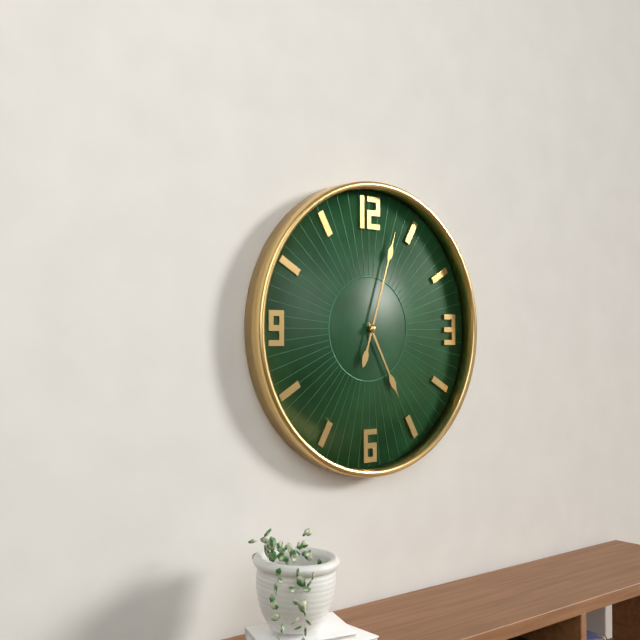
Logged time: 5:03
